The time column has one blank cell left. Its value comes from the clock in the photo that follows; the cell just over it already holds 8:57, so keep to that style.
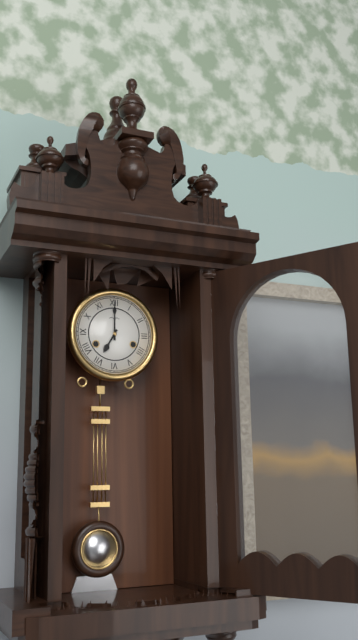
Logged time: 7:00
